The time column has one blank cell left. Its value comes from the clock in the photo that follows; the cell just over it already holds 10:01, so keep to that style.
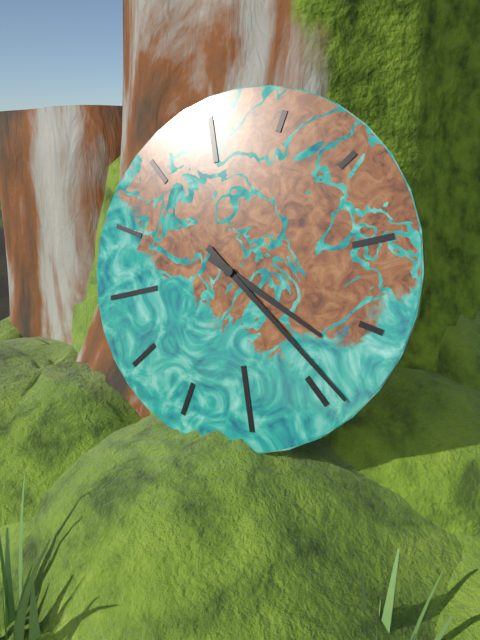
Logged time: 4:24
